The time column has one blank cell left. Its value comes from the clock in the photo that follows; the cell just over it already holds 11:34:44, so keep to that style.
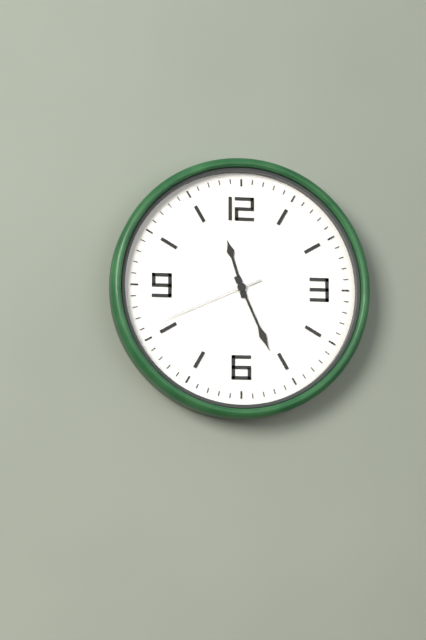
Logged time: 11:26:41
